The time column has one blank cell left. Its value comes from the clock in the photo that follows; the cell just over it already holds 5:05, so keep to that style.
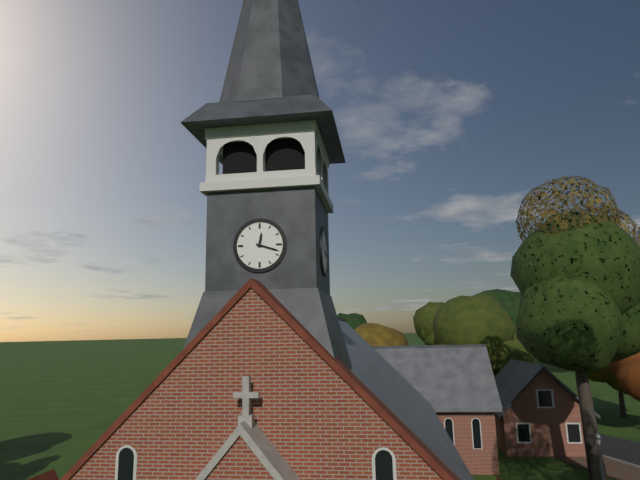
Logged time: 12:18
